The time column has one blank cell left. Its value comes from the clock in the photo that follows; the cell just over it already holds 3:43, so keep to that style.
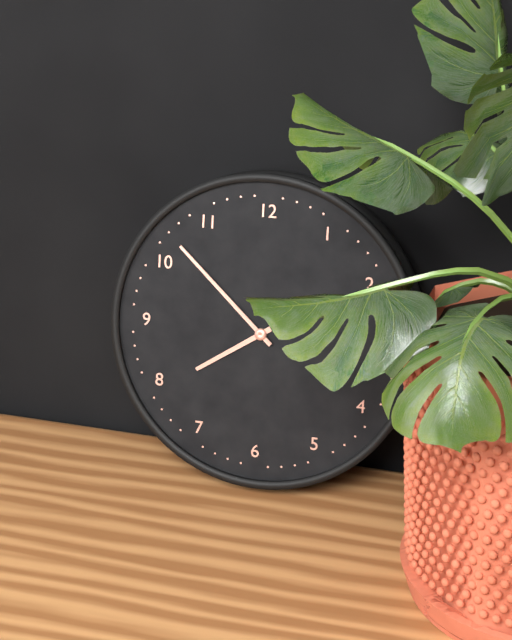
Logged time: 7:52
